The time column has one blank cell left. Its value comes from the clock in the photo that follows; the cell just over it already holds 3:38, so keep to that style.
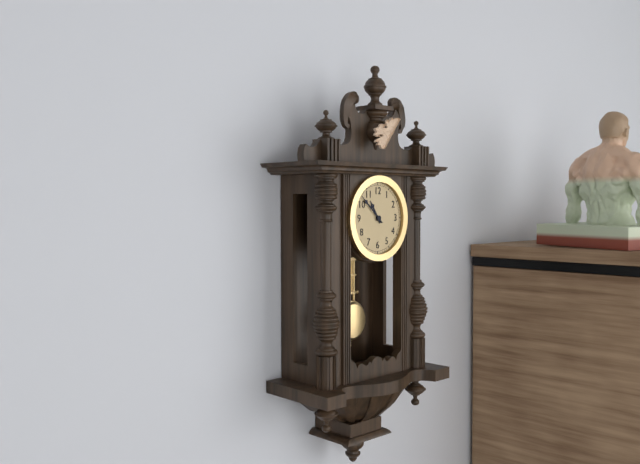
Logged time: 10:52
